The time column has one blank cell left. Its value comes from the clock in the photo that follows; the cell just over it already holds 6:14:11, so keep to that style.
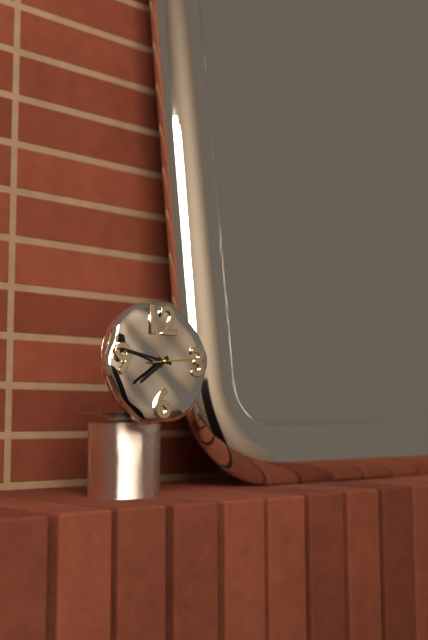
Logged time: 7:47:14
